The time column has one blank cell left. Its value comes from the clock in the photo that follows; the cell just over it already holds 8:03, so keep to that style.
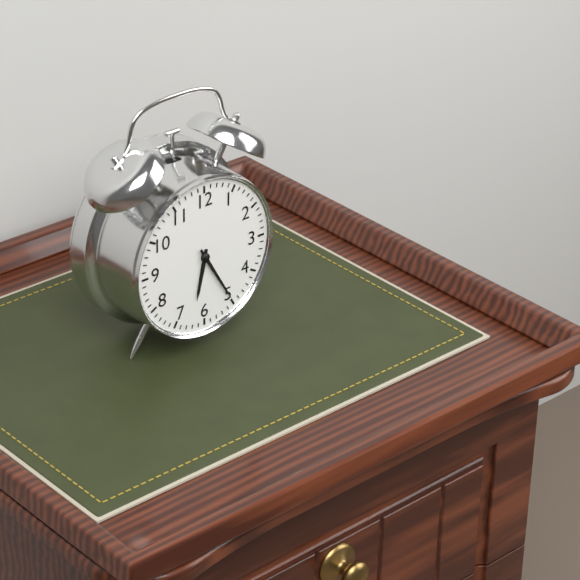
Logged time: 6:25
